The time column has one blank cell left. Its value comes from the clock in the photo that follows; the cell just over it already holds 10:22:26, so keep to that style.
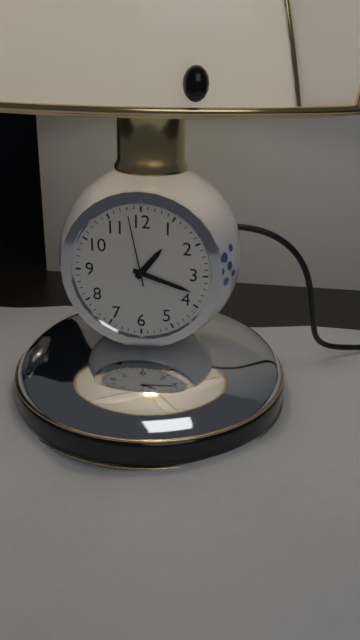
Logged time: 1:18:58
